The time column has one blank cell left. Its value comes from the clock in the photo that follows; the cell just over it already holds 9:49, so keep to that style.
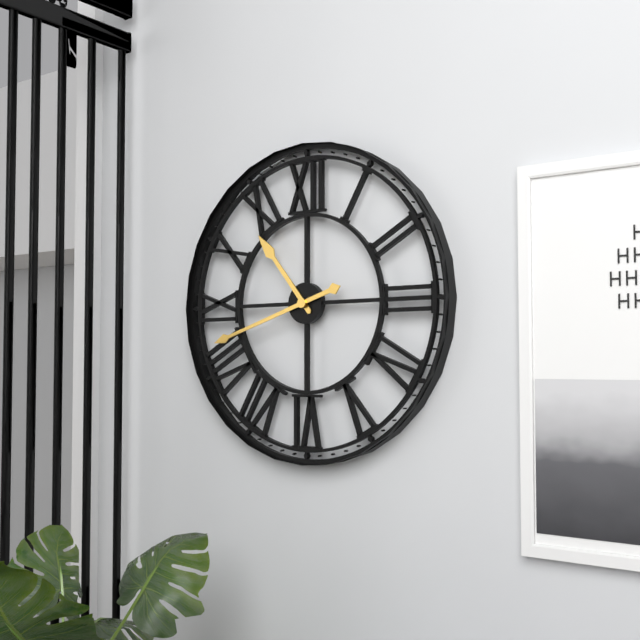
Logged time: 10:42
